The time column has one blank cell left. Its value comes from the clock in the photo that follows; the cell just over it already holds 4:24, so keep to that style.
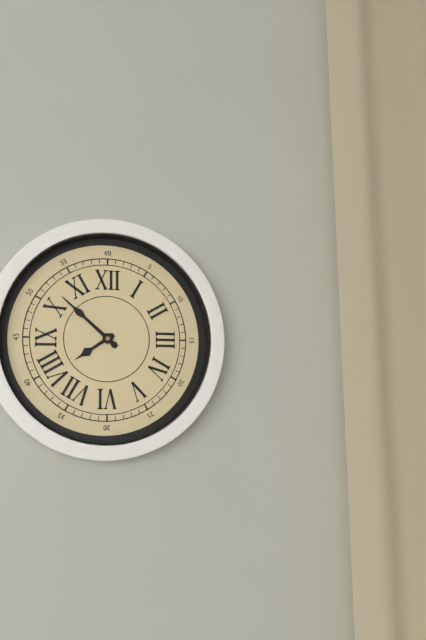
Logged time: 7:52
